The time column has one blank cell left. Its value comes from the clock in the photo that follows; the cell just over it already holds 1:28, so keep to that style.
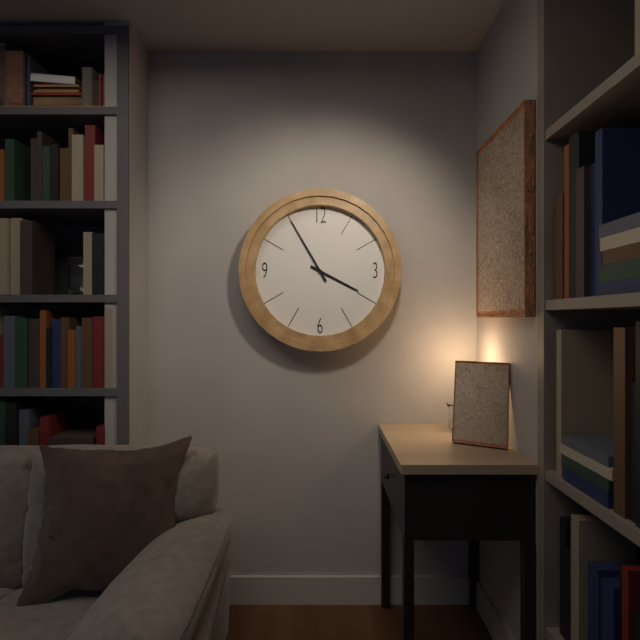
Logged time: 3:55
